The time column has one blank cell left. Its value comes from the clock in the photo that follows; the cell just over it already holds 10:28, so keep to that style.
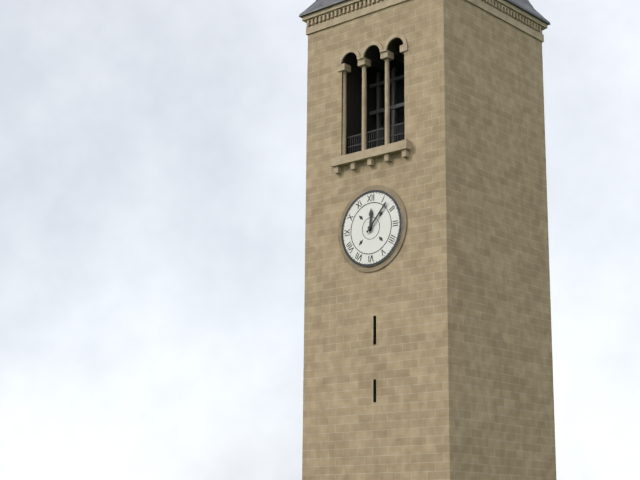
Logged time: 12:07
